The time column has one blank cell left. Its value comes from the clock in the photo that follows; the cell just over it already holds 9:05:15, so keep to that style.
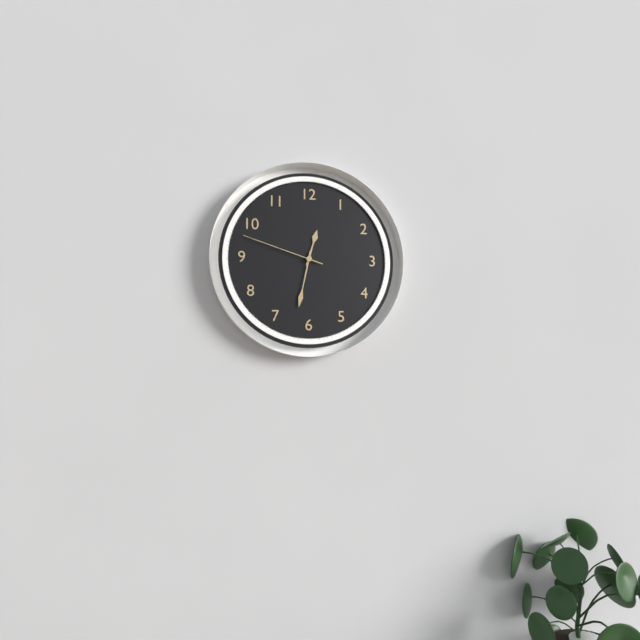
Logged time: 12:32:48
